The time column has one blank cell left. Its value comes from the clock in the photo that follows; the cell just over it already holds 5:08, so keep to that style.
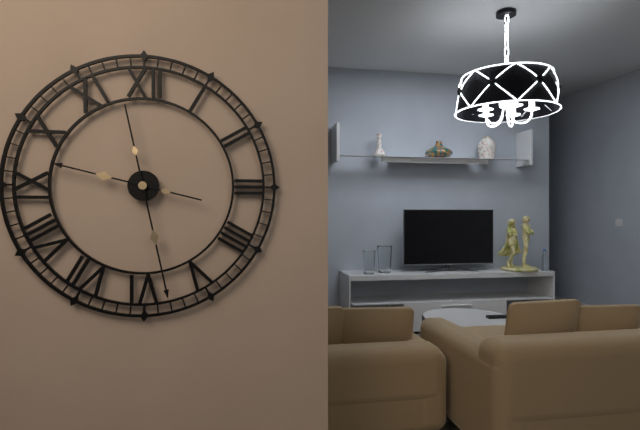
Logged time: 9:28
